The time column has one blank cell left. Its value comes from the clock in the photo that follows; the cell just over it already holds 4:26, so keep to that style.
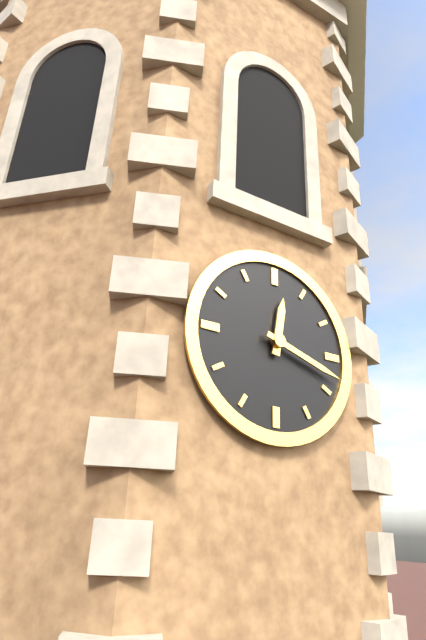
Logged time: 12:18
